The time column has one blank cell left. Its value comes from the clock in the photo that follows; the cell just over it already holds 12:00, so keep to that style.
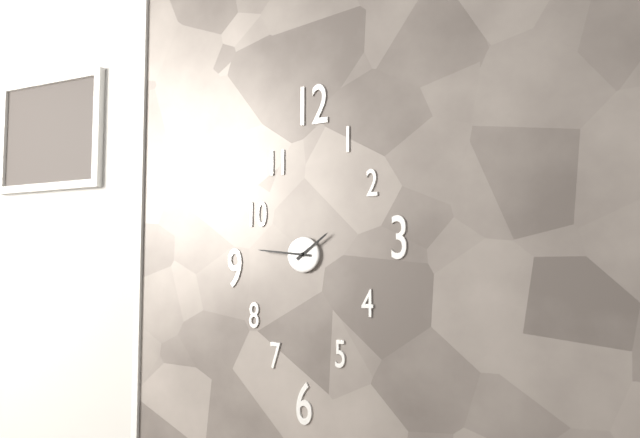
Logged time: 1:46
